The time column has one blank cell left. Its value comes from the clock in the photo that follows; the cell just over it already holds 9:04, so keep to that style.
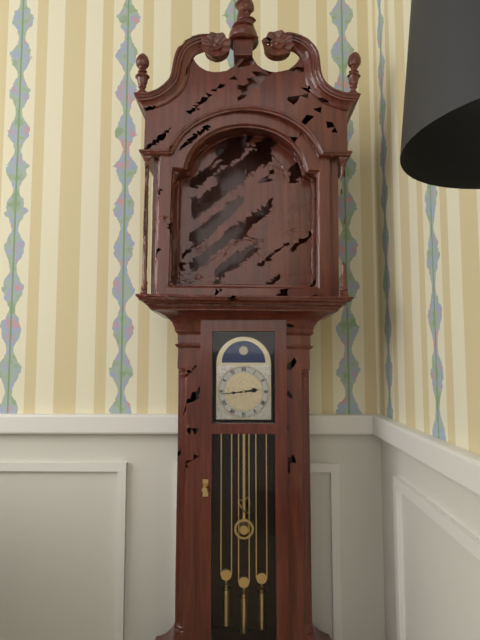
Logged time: 2:44
